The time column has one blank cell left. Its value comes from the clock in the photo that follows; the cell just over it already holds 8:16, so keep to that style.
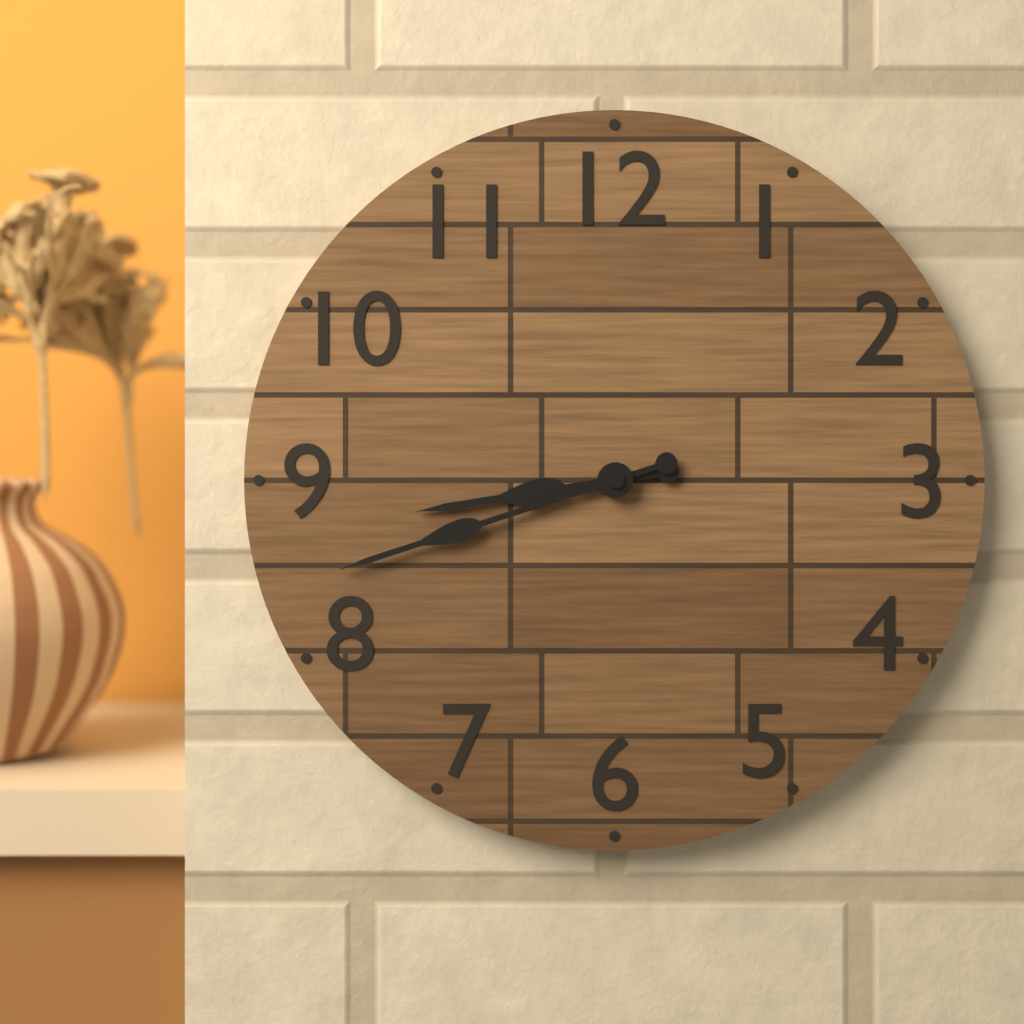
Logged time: 8:42
